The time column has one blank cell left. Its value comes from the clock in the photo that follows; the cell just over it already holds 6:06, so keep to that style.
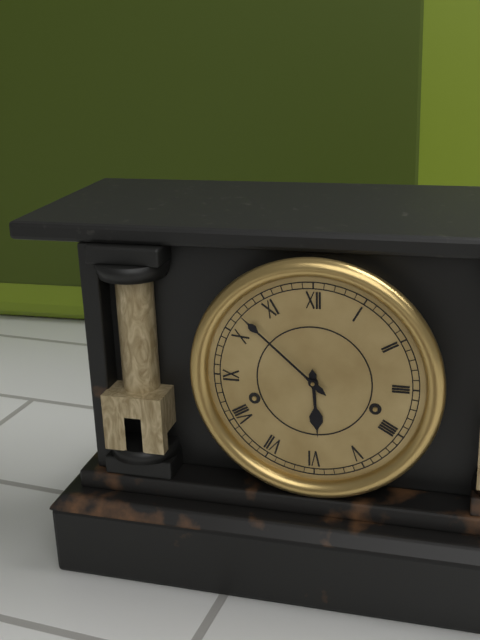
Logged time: 5:52
